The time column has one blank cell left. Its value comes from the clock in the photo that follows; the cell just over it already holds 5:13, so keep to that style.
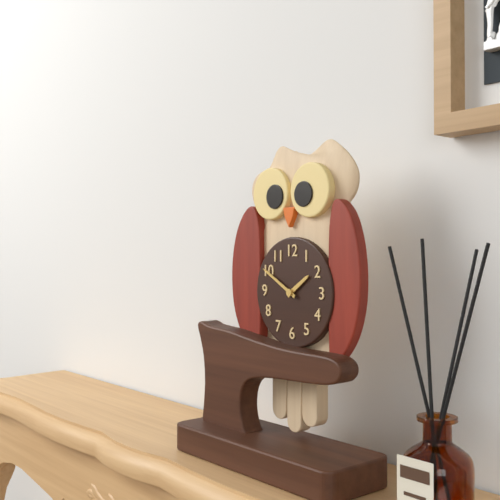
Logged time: 1:50
